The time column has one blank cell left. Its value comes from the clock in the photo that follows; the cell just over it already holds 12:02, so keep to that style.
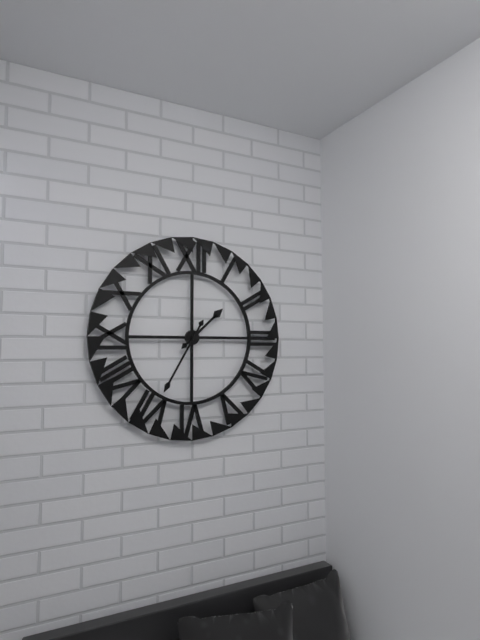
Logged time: 1:35
